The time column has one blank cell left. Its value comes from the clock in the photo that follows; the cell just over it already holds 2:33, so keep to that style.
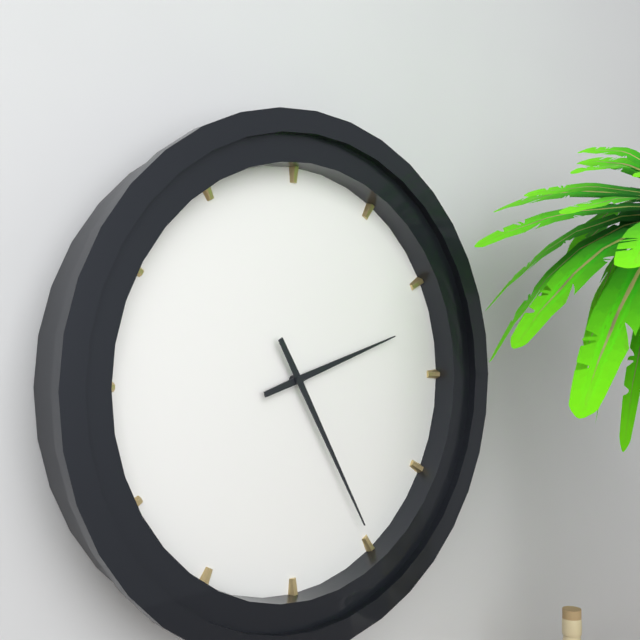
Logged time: 2:25
